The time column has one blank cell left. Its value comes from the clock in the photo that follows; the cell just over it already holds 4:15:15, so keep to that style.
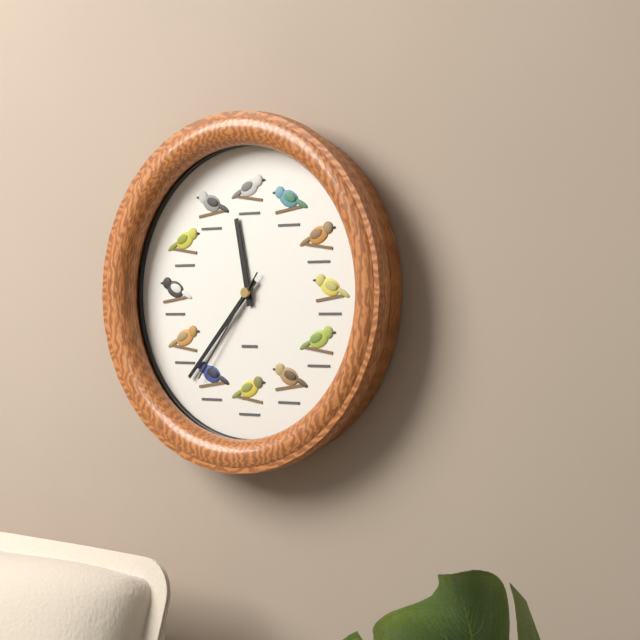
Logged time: 11:37:36
